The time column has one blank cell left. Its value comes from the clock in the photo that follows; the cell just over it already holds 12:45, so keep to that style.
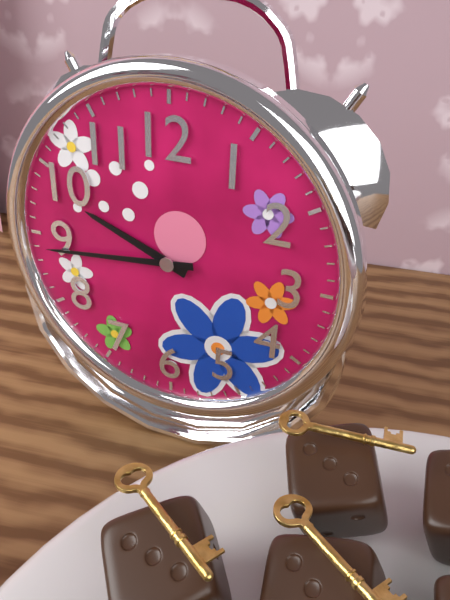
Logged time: 9:44
